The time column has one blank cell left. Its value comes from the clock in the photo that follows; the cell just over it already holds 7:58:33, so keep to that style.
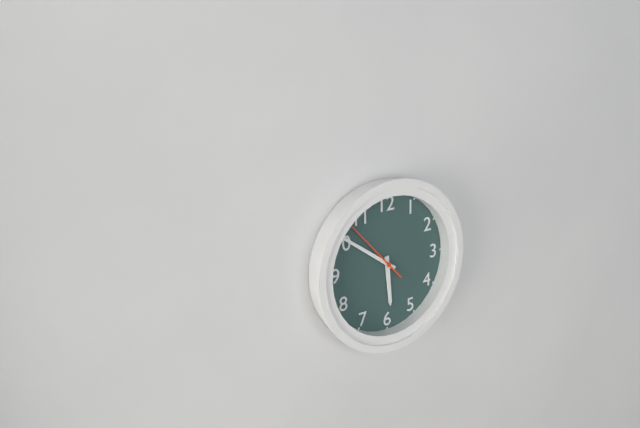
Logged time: 5:51:53
